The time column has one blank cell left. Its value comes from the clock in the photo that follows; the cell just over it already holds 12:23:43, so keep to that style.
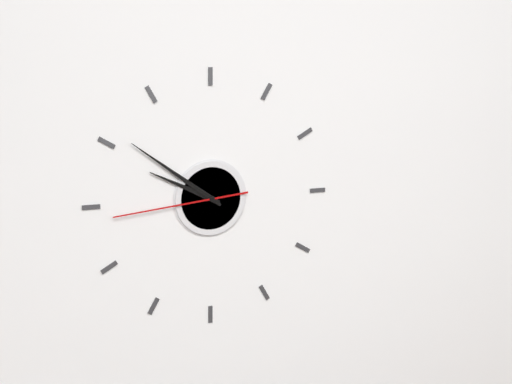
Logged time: 9:51:44
